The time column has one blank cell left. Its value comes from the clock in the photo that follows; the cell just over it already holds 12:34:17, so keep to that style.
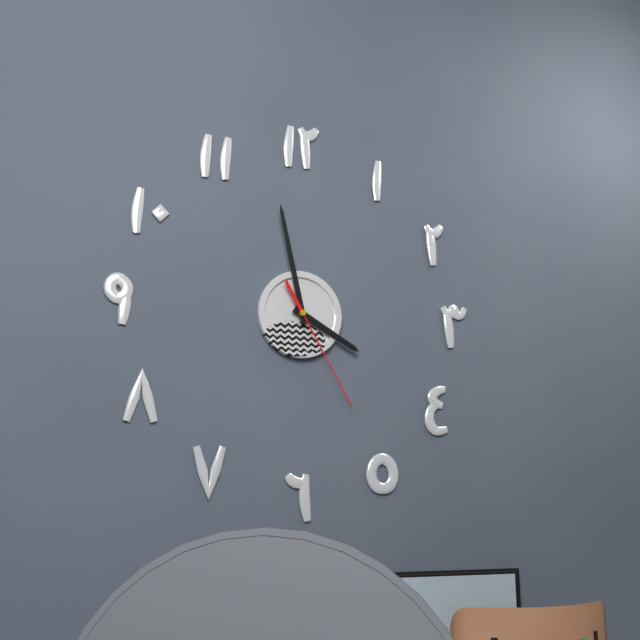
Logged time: 3:58:25
